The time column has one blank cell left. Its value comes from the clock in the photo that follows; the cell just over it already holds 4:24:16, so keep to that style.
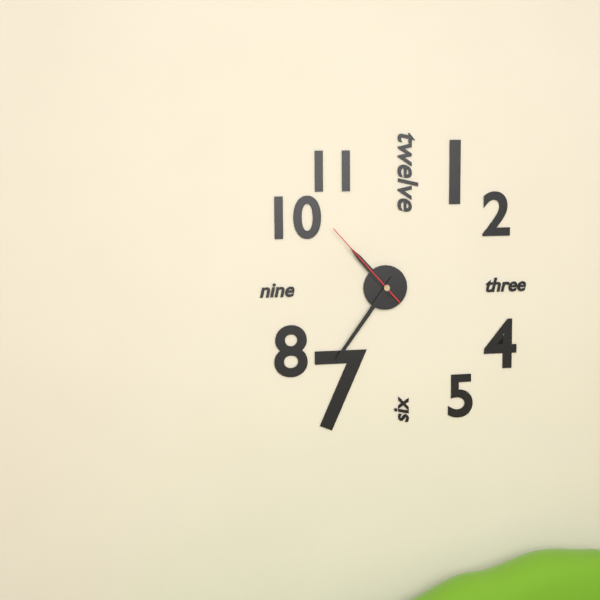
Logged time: 10:36:53
